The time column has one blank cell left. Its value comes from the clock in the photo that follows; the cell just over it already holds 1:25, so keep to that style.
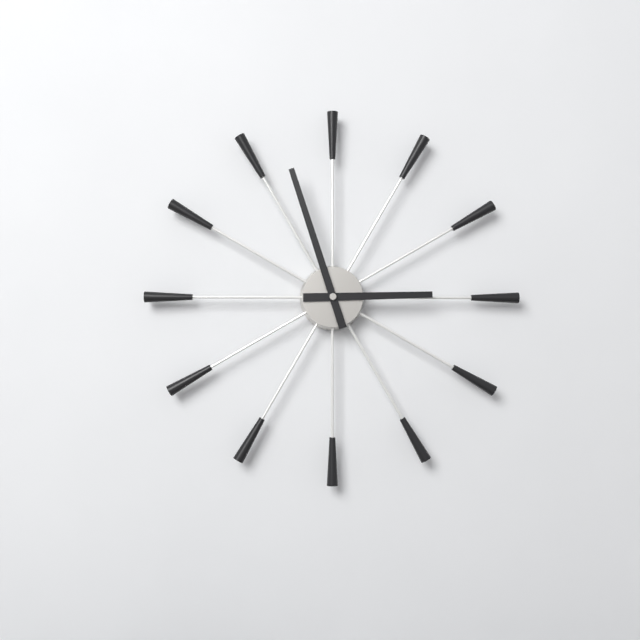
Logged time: 2:57
